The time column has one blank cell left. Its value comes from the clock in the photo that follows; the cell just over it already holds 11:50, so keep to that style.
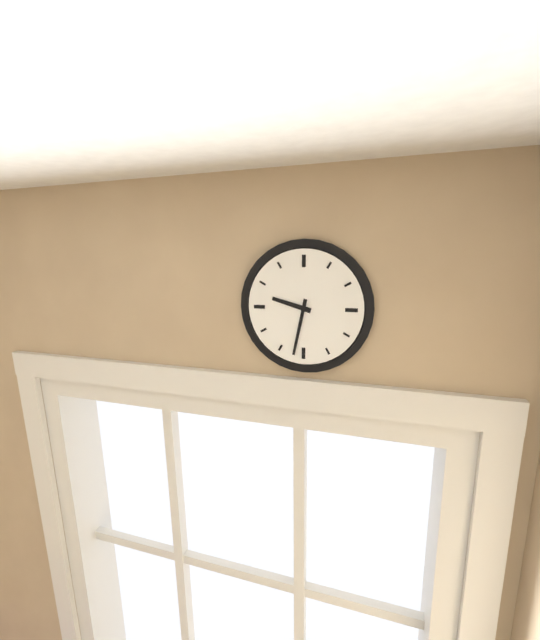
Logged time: 9:32
